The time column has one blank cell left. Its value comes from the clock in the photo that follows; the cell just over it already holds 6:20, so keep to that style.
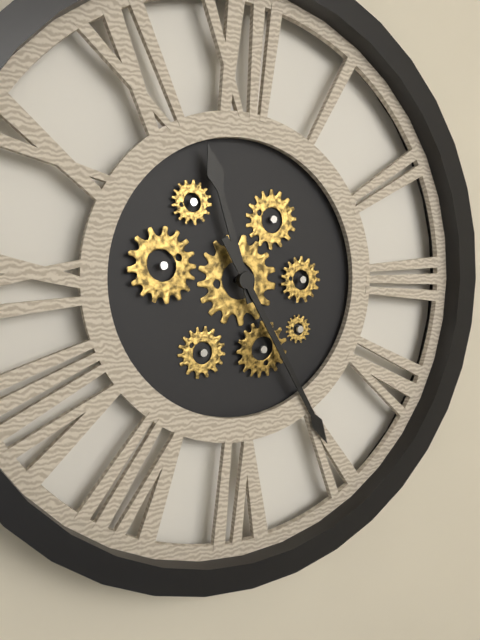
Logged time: 11:25
